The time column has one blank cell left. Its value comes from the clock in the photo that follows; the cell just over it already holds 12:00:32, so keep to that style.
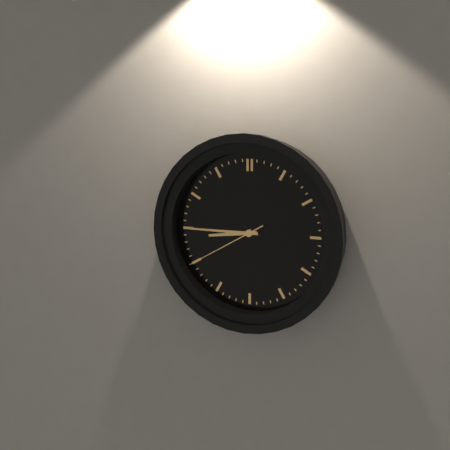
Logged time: 8:45:40
